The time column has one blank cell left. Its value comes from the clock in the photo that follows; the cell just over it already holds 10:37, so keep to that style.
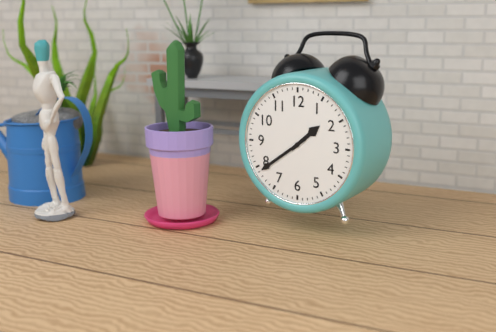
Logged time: 1:39
